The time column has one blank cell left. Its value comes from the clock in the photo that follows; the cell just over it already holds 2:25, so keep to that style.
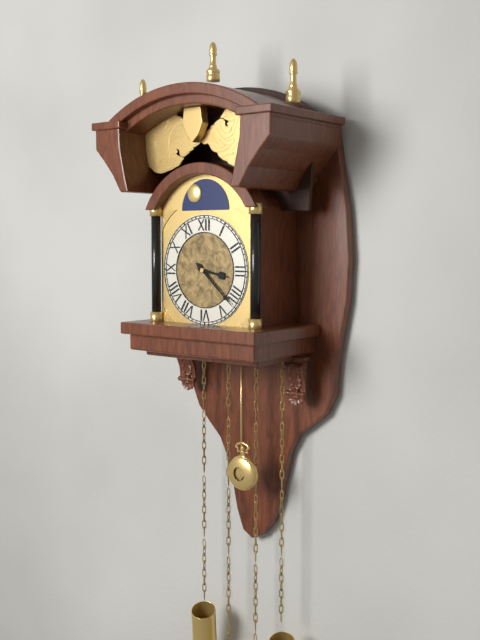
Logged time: 3:22
